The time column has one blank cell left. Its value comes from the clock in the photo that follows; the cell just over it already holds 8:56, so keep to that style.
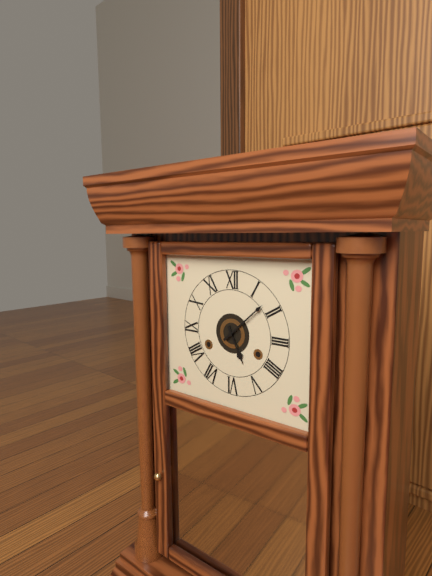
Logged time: 5:08
